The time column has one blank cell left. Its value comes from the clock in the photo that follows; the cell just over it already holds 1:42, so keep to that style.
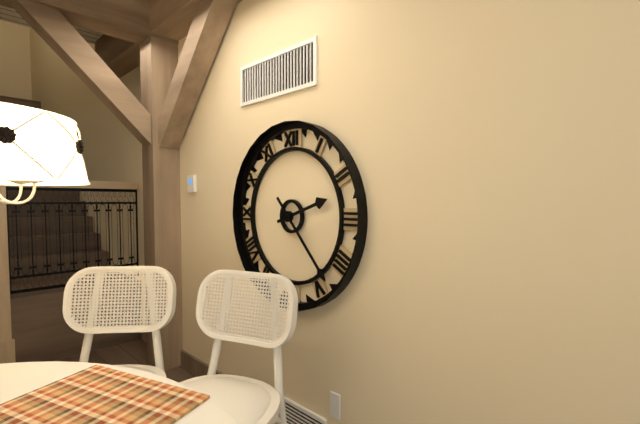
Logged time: 2:23
